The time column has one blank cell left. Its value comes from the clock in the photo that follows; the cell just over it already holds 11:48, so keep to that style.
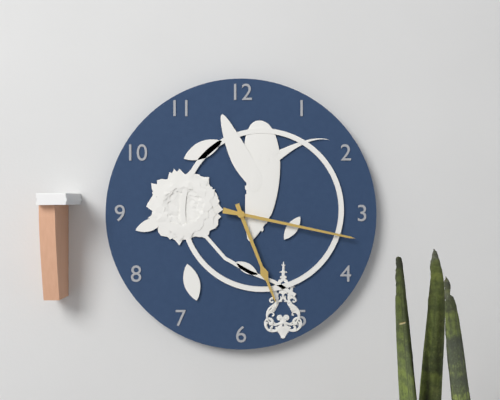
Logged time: 5:17
